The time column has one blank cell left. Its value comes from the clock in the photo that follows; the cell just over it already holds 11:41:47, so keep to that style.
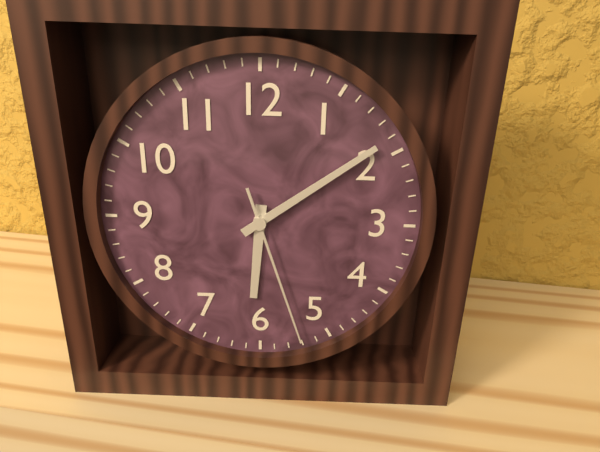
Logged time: 6:09:27
